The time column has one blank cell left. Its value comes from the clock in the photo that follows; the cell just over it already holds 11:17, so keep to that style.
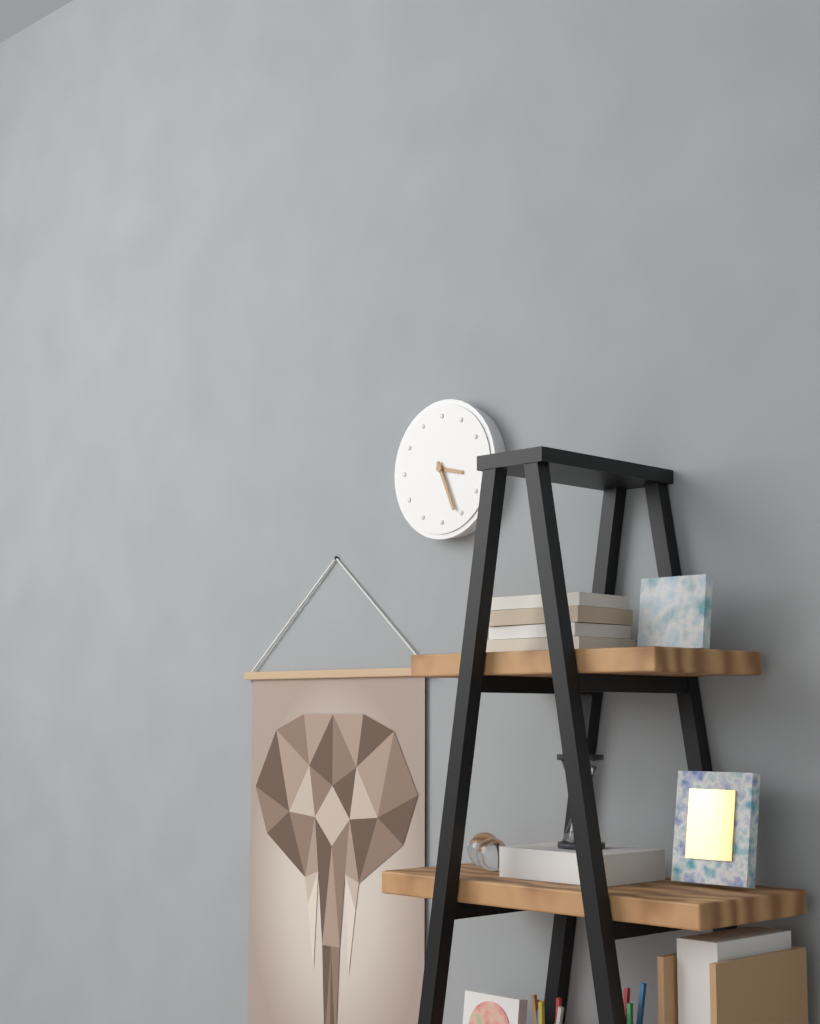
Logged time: 3:26
